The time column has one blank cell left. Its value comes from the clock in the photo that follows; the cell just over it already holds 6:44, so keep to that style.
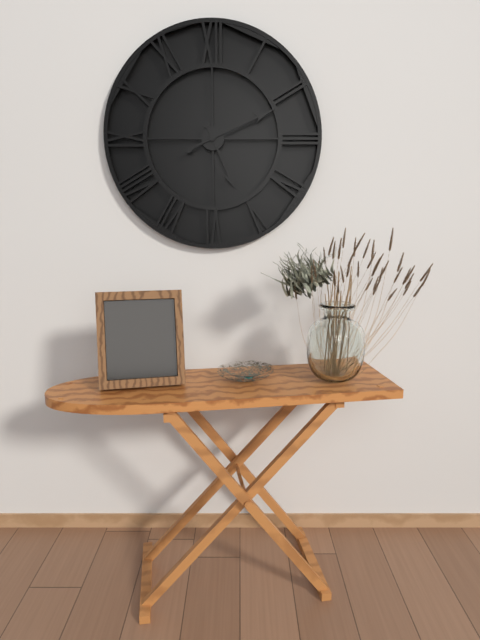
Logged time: 5:11
